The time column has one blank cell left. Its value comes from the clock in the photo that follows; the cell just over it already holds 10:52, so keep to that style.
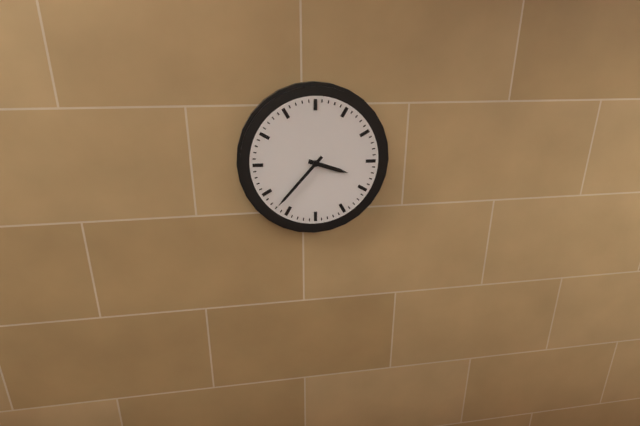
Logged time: 3:37
